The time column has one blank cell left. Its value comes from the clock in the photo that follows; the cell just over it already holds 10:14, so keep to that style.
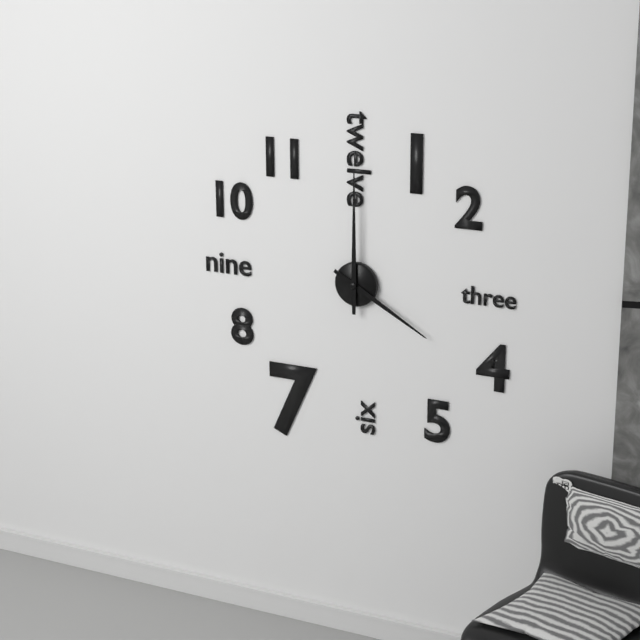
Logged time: 4:00
